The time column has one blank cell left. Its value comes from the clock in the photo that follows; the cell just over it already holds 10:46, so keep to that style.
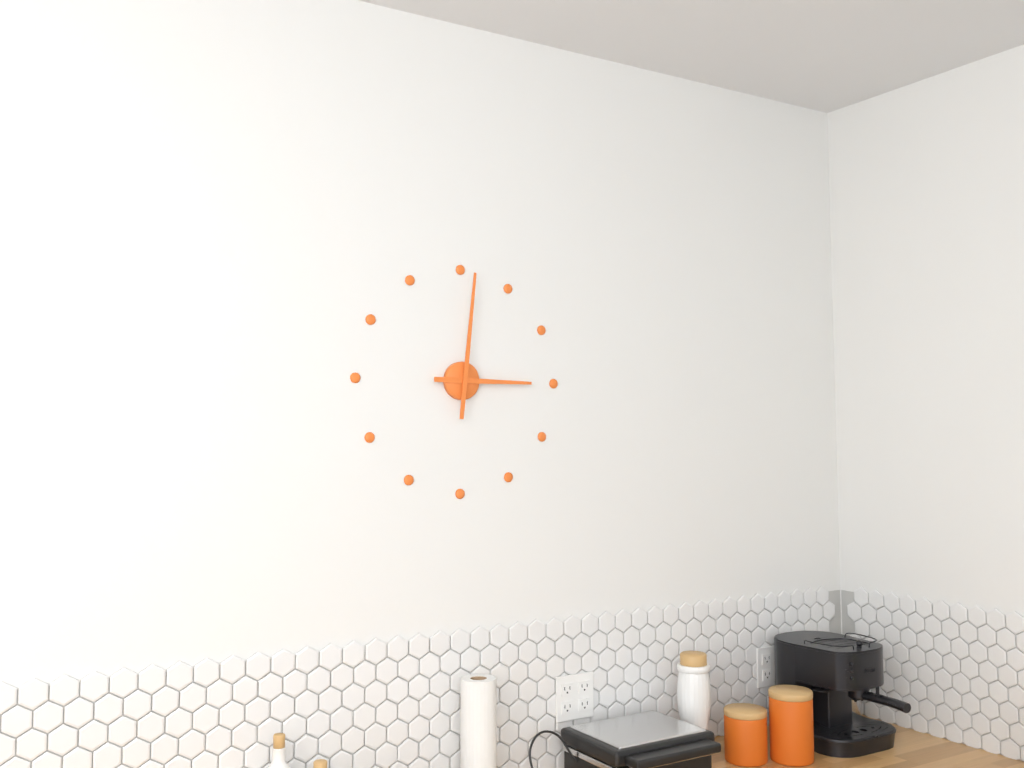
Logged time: 3:01
